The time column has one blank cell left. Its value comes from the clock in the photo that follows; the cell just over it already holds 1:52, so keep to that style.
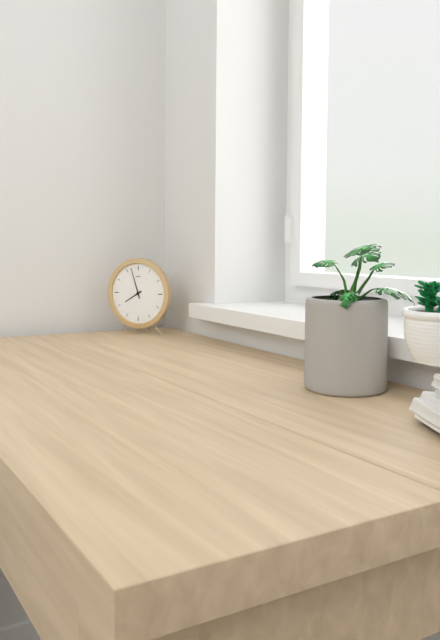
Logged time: 7:57
